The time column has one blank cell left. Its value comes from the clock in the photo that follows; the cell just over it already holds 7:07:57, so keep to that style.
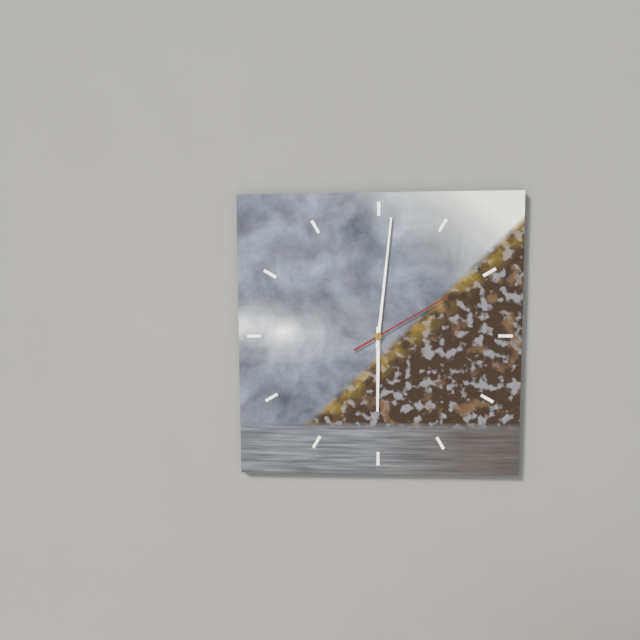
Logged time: 6:01:10
